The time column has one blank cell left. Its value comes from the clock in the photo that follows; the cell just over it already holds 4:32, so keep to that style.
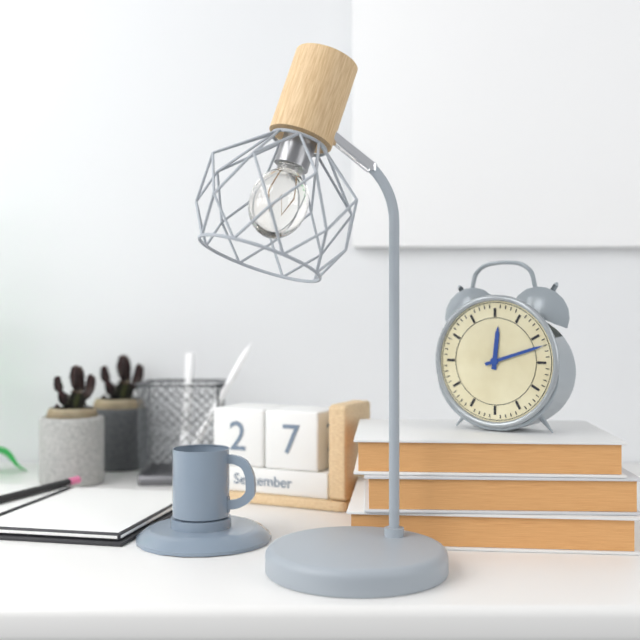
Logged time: 12:12
